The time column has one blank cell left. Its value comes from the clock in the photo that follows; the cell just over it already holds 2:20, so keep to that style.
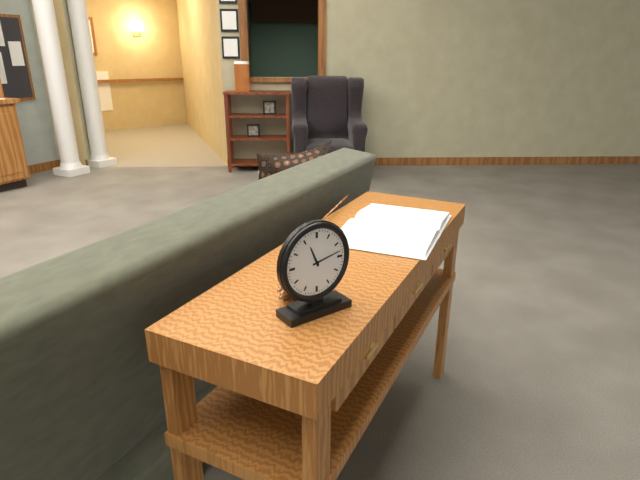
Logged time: 11:13
